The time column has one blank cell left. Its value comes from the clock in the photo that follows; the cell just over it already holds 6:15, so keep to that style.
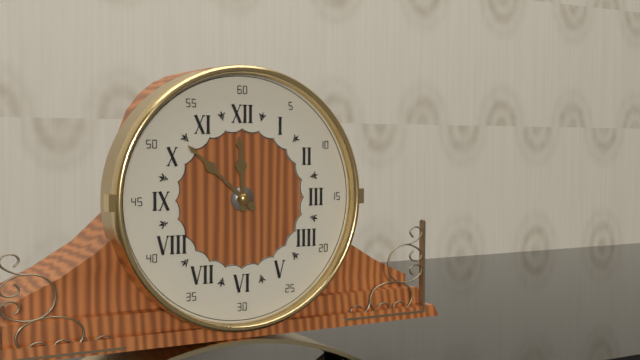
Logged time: 11:52
